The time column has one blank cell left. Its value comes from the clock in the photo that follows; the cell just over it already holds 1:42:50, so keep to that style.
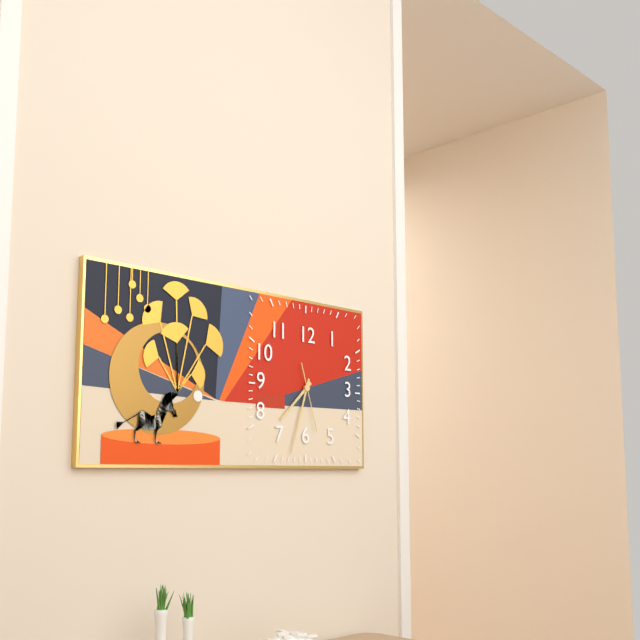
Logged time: 7:33:27
